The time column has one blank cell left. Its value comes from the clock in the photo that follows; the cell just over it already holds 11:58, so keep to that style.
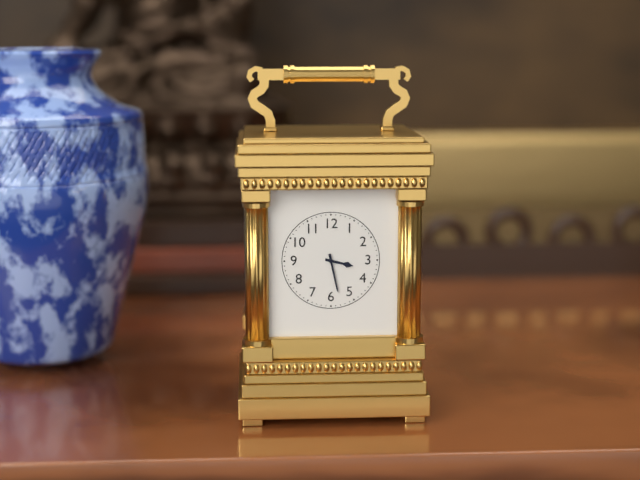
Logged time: 3:28
